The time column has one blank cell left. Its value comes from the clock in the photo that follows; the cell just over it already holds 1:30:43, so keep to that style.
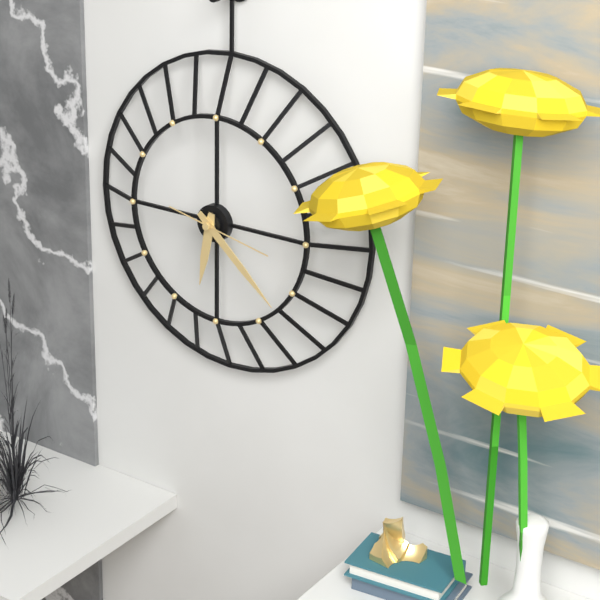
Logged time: 6:22:17
